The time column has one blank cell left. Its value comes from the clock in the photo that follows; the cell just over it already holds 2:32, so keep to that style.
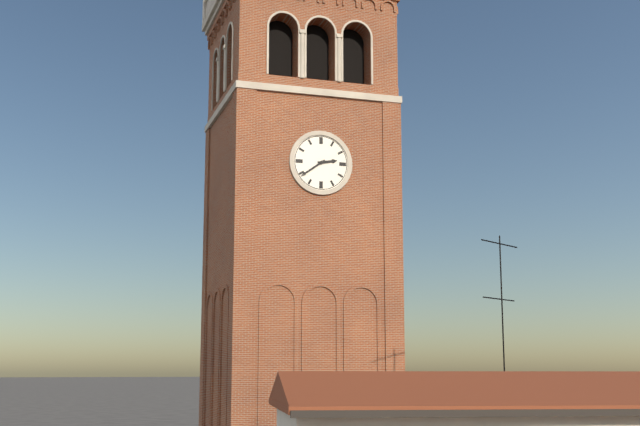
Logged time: 2:39
